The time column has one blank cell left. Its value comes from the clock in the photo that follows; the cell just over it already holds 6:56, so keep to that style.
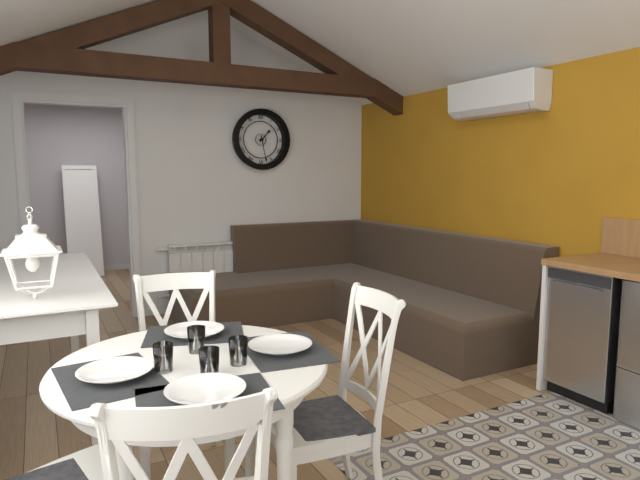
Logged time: 1:28
